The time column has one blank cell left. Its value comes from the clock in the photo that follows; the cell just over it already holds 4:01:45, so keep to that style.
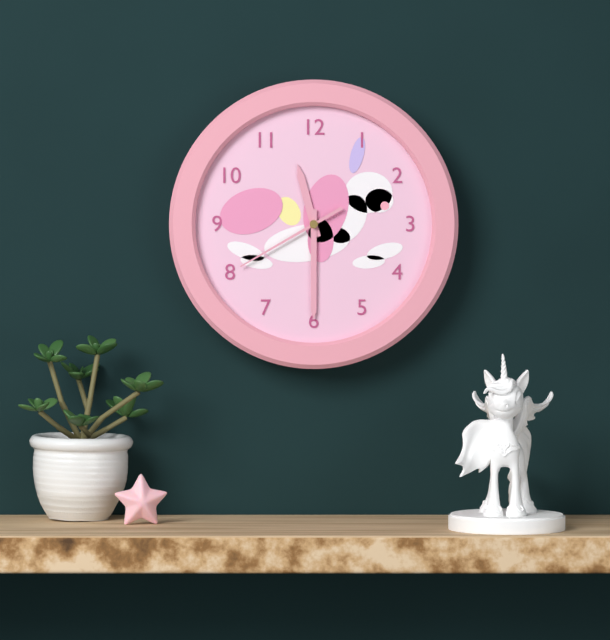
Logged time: 11:30:40
